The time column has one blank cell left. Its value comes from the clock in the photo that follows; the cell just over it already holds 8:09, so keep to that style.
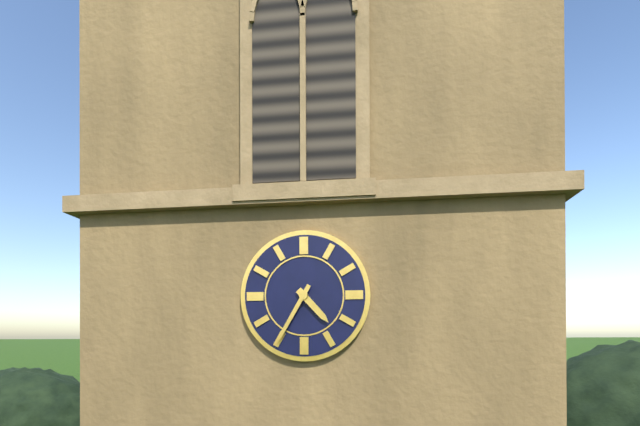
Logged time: 4:35
